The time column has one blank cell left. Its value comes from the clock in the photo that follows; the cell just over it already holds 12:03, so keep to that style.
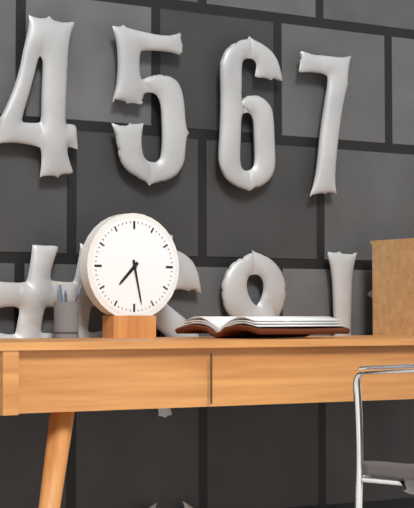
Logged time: 7:28
